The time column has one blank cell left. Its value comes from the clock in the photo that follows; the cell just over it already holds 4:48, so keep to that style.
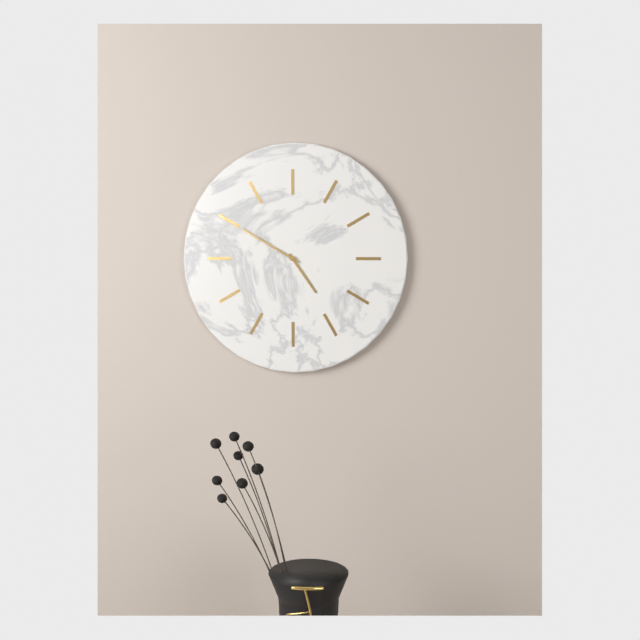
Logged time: 4:50
